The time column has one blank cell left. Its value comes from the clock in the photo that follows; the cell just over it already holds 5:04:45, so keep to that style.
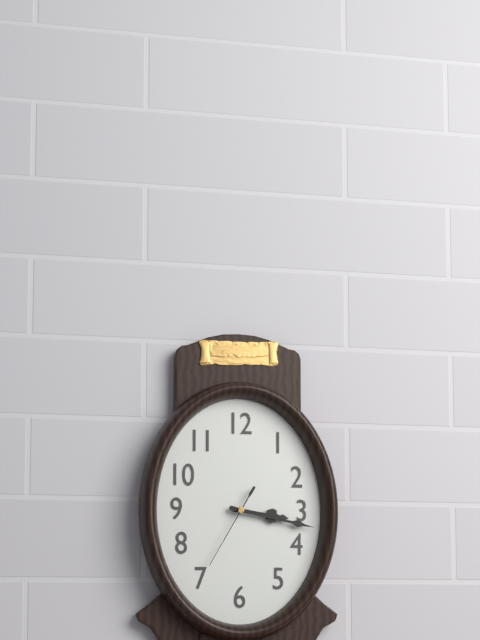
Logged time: 3:17:35
